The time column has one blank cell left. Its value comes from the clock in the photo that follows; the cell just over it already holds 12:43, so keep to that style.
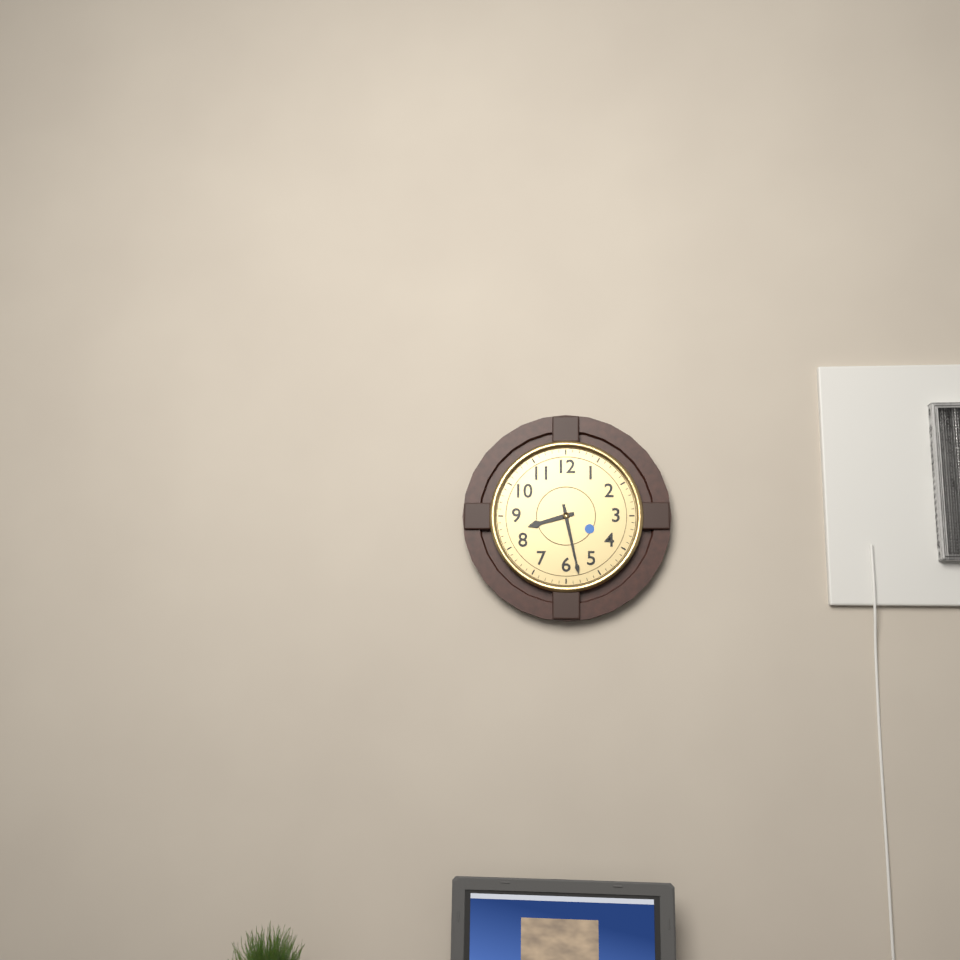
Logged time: 8:28
